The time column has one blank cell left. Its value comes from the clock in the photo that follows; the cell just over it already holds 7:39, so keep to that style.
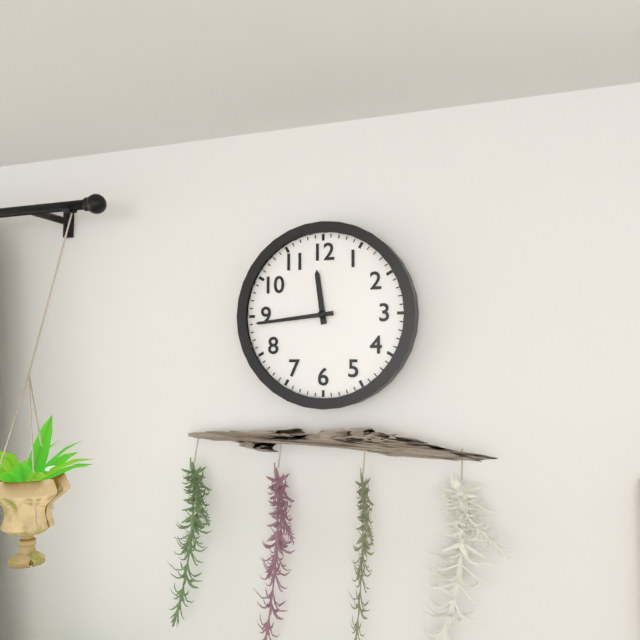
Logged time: 11:44
